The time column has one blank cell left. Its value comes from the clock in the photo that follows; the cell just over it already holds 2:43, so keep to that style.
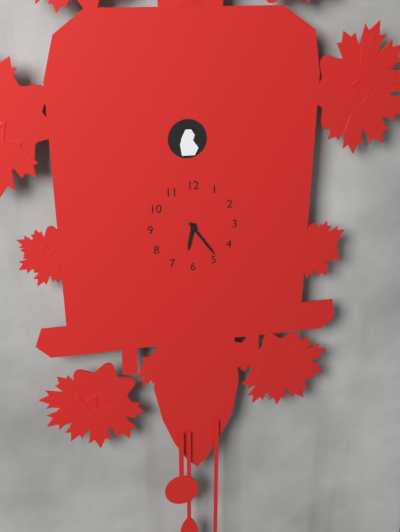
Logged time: 6:24
